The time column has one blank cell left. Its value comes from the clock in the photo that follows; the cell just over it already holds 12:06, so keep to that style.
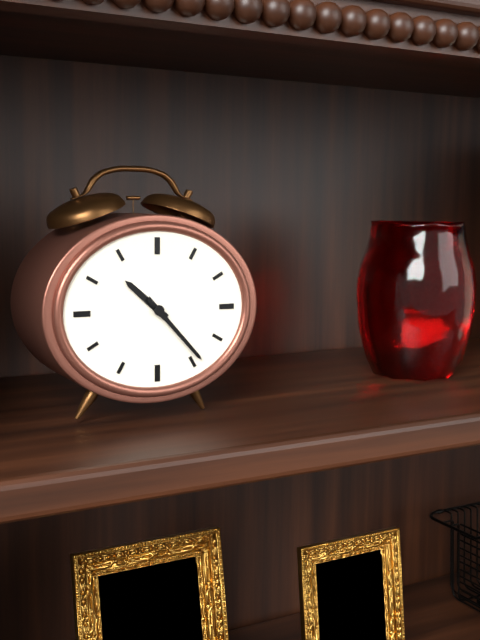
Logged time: 10:23
